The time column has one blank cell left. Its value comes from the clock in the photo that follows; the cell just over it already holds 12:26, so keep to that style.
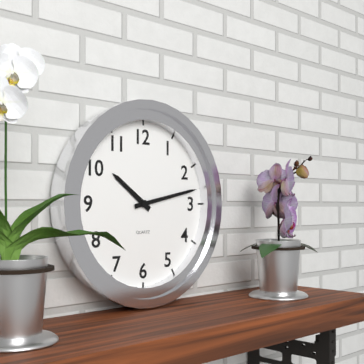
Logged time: 10:13
